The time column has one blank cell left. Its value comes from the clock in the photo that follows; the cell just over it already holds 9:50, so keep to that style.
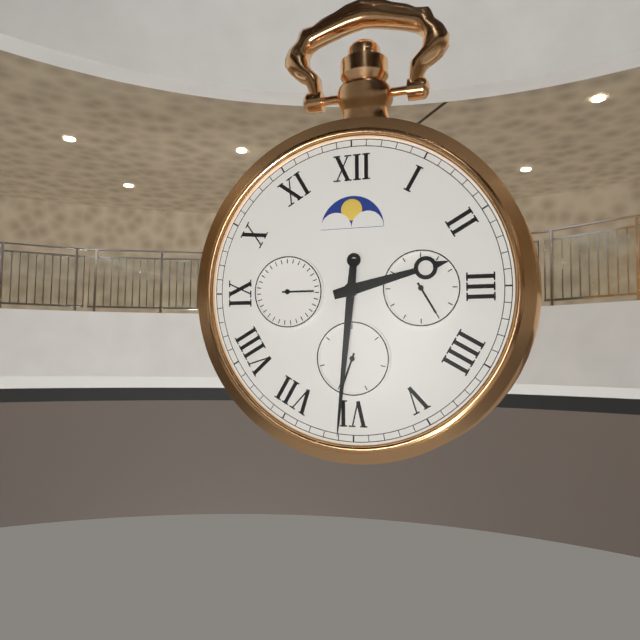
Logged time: 2:31
